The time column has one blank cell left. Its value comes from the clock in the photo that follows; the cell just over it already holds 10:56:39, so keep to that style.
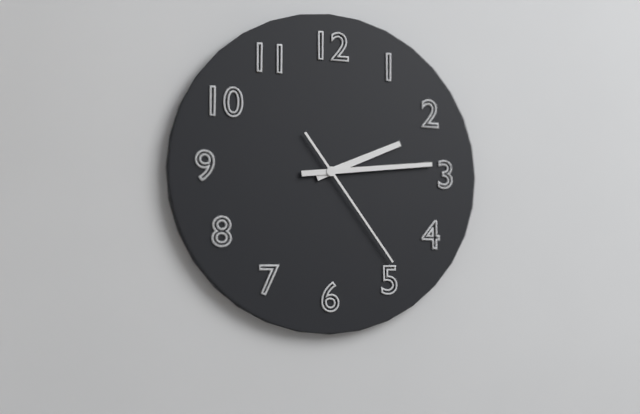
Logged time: 2:14:24
